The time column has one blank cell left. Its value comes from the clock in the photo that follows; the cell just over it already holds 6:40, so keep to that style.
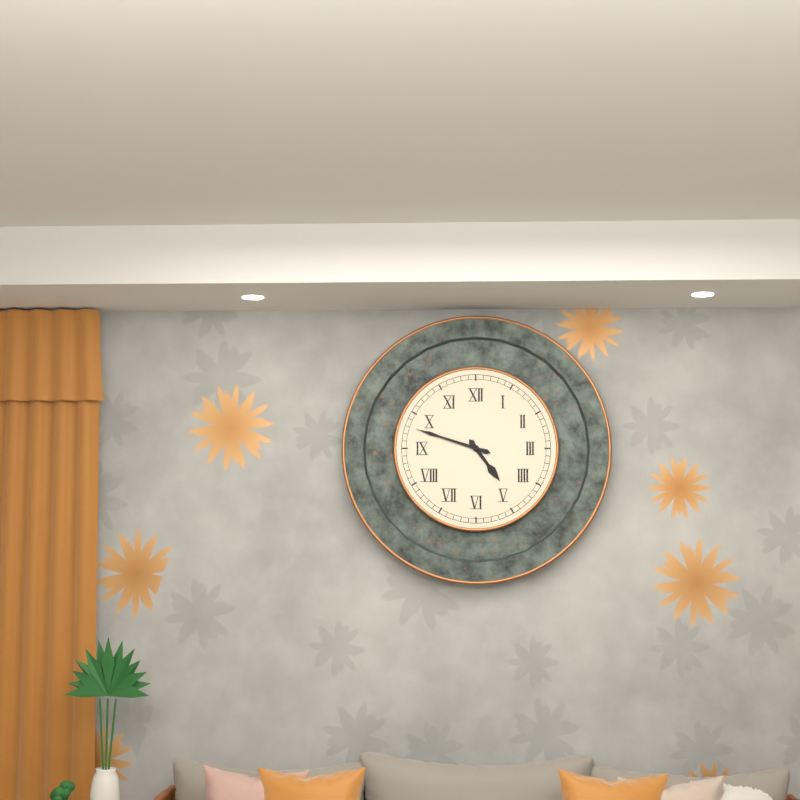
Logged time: 4:48
